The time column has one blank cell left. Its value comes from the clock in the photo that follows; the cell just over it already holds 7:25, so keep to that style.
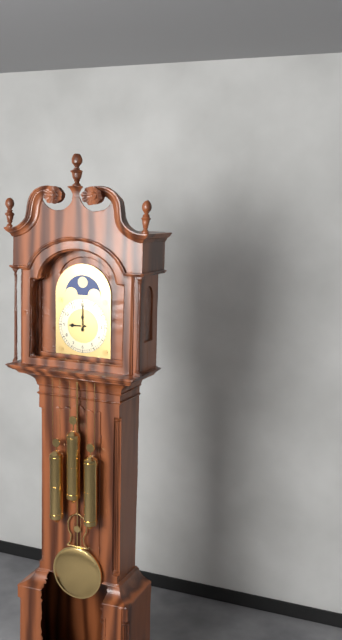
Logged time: 9:00
